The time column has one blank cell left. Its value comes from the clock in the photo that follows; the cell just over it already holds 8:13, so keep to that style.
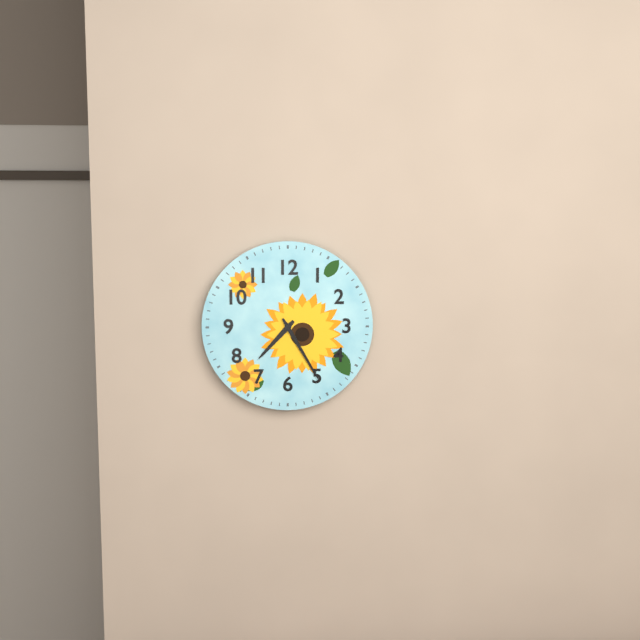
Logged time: 7:25
